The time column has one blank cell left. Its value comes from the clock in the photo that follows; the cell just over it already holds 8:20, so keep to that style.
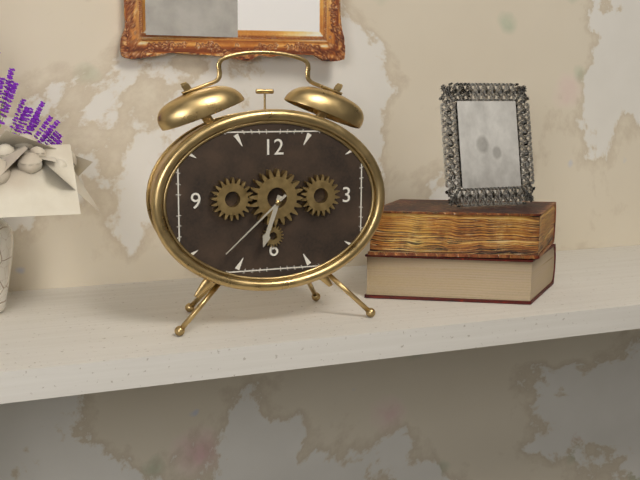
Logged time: 6:38
